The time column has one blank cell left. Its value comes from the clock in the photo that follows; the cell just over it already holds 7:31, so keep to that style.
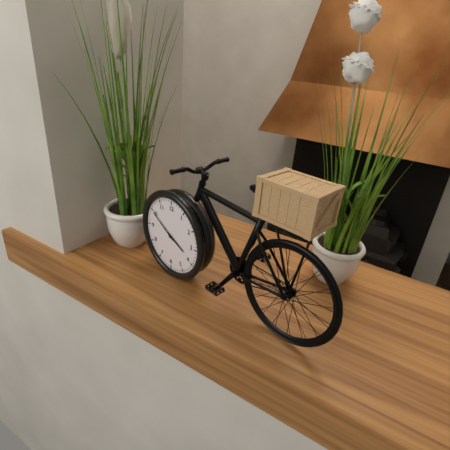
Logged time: 3:50
